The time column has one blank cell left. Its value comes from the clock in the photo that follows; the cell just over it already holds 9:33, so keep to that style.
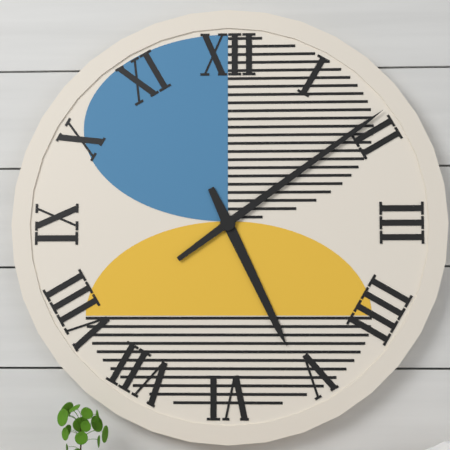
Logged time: 5:09
